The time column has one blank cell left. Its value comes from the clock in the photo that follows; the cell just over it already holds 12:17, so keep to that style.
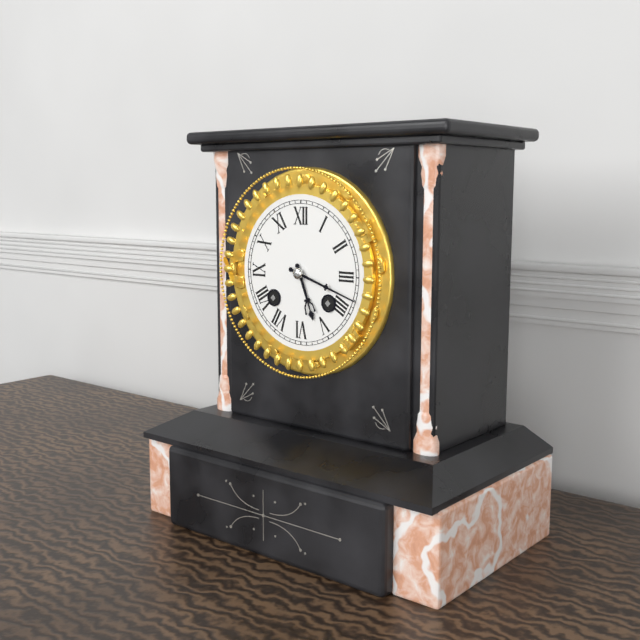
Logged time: 5:18
